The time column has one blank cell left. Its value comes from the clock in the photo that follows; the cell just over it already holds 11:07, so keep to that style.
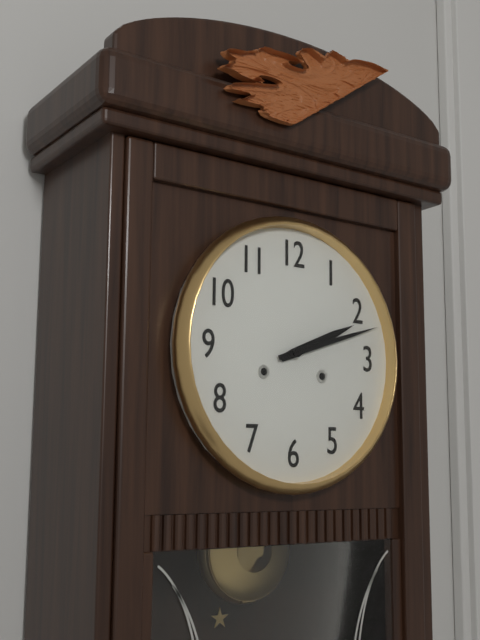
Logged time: 2:12
